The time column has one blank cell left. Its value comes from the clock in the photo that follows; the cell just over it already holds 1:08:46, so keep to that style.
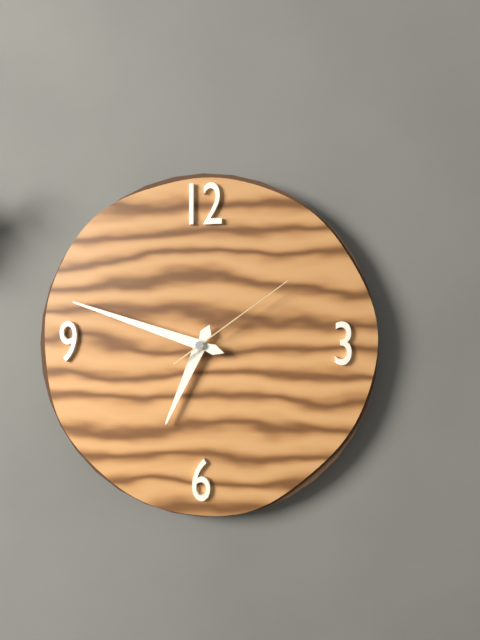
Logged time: 6:48:09
